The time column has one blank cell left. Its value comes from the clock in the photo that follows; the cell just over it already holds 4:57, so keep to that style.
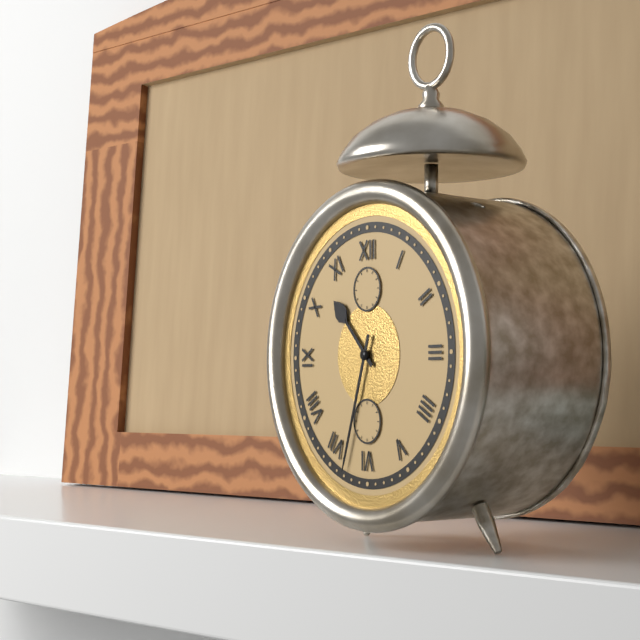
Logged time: 10:33
